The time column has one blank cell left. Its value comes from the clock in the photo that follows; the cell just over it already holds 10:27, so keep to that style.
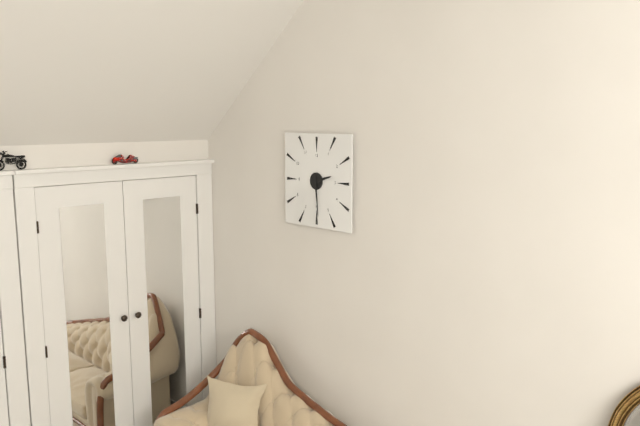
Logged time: 2:29
